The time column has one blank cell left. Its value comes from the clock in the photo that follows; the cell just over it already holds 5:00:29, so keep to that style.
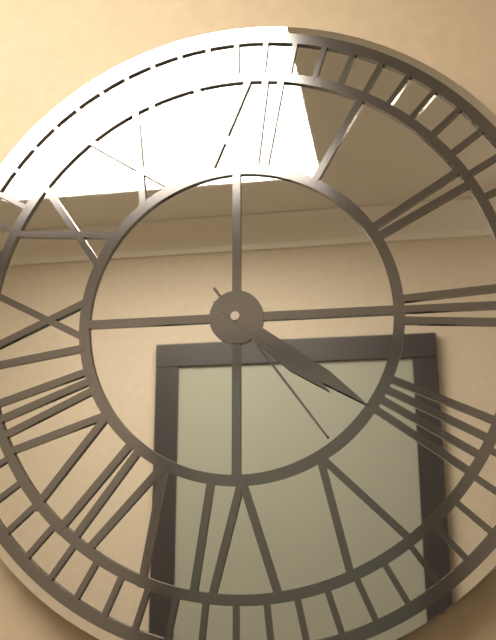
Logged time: 4:21:24
